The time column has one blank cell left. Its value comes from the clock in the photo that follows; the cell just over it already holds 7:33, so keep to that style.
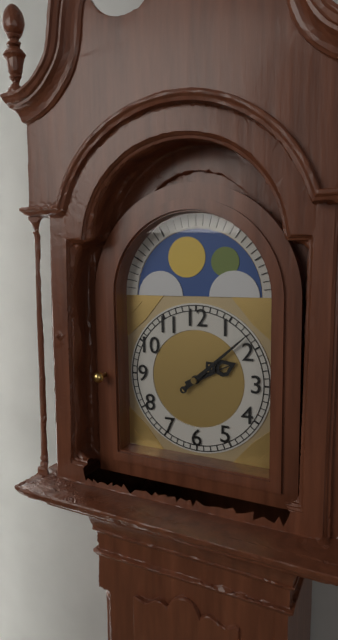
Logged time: 2:08
